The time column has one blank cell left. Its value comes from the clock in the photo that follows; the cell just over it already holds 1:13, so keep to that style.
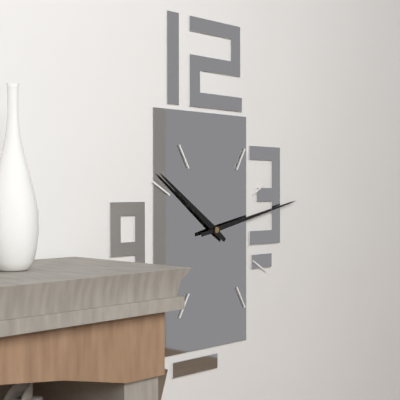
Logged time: 10:13
